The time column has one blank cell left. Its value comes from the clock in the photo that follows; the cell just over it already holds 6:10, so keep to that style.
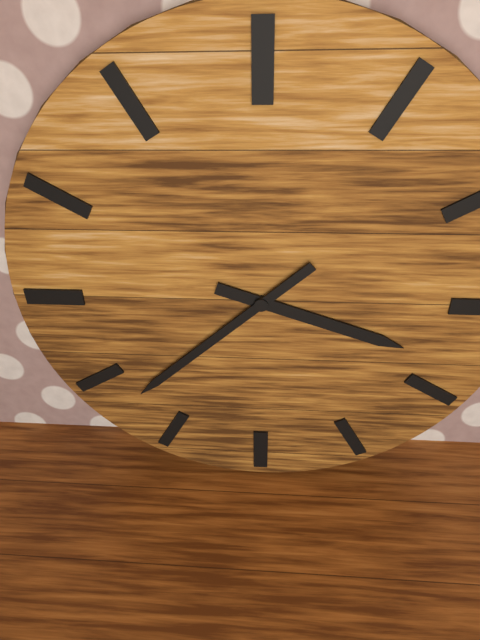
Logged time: 3:38
